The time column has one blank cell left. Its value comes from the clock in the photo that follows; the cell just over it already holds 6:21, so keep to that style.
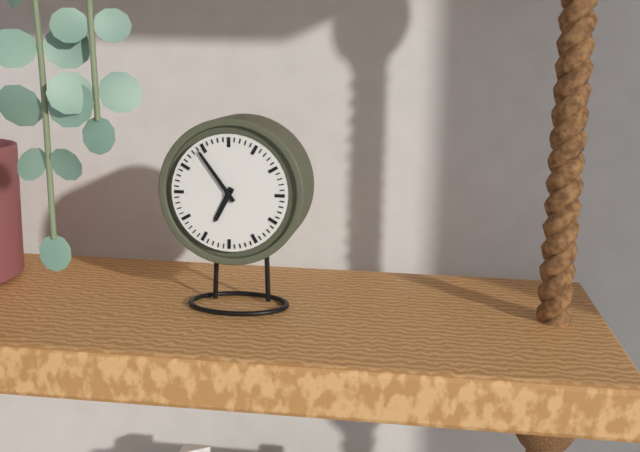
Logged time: 6:54
